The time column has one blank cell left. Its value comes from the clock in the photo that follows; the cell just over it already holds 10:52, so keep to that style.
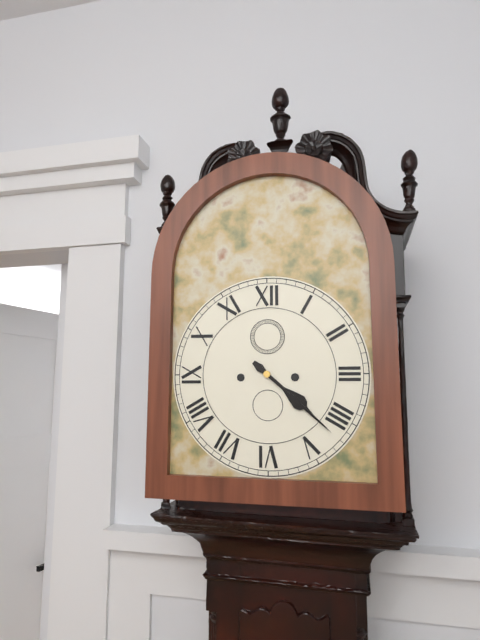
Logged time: 4:22
